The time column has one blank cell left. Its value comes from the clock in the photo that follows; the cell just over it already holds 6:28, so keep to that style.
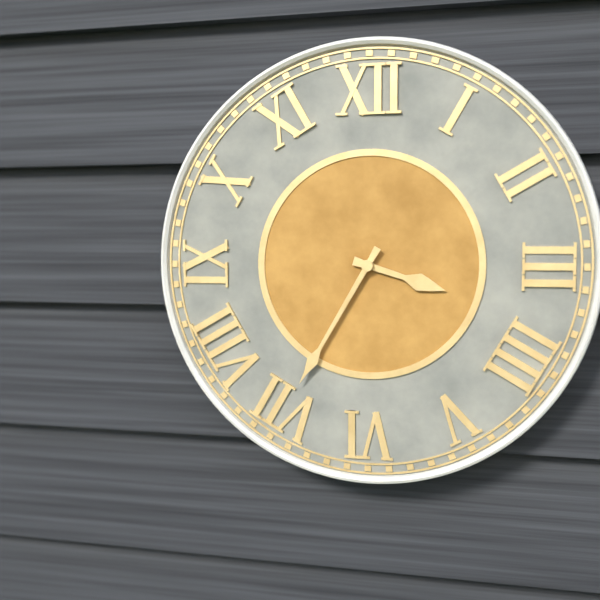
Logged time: 3:35
